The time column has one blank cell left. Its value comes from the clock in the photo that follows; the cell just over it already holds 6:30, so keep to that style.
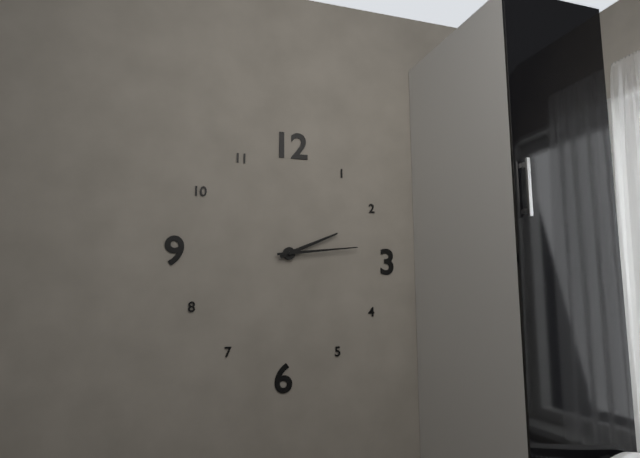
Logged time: 2:14
